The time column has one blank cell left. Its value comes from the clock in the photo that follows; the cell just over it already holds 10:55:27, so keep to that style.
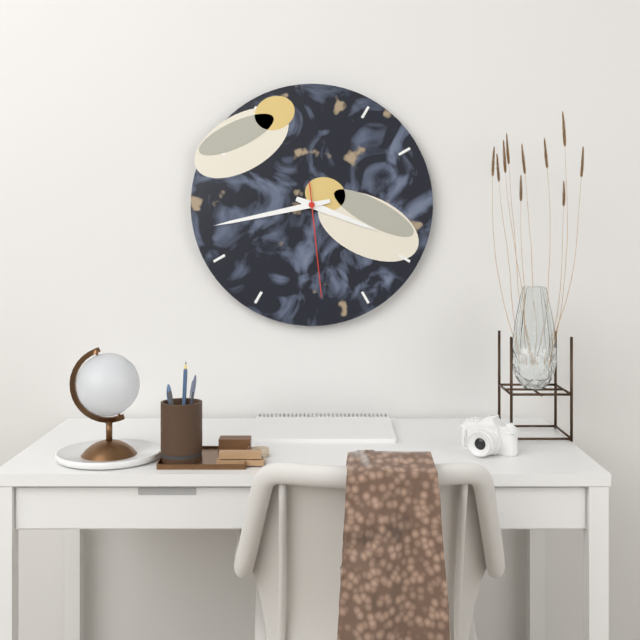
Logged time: 3:43:29
